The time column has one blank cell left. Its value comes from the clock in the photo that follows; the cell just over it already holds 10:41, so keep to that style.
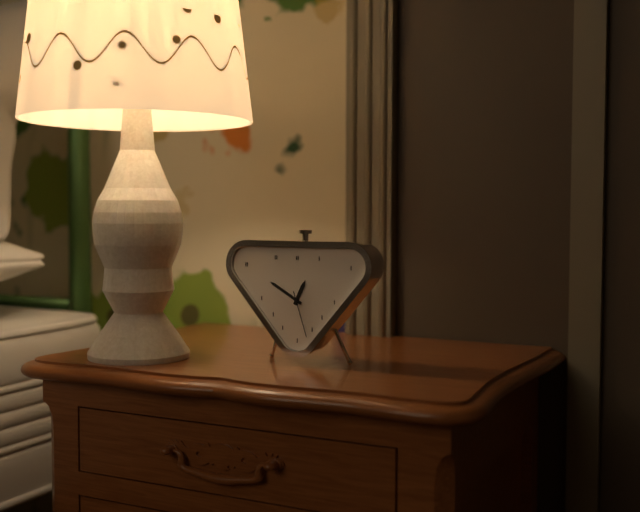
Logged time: 12:50
